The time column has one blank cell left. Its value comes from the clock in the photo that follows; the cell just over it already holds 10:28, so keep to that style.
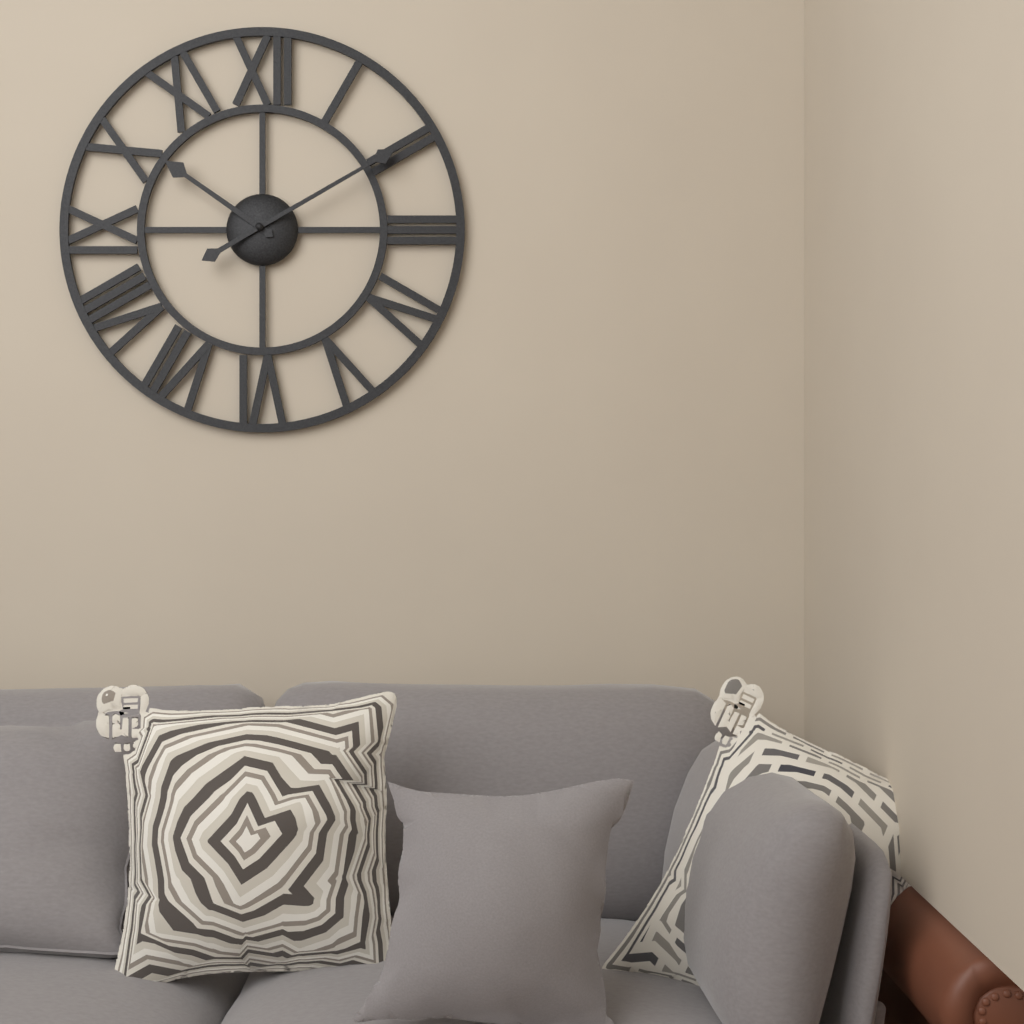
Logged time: 10:10
